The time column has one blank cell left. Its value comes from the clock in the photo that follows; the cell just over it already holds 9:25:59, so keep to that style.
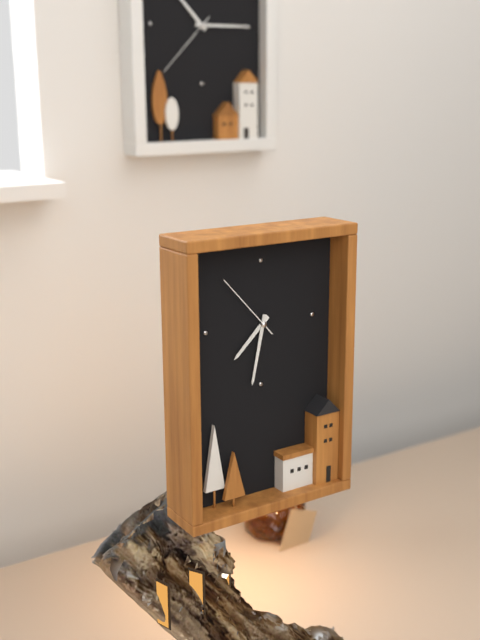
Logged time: 7:32:53
